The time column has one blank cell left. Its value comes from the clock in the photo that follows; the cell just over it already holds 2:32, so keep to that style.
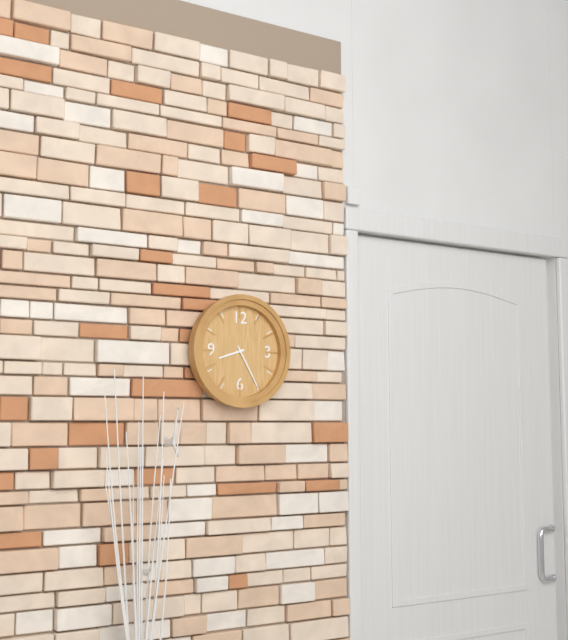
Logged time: 8:25
